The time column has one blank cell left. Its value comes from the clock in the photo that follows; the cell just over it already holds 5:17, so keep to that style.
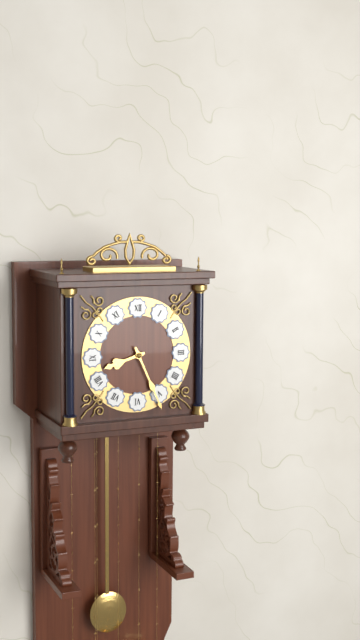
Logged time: 8:26
